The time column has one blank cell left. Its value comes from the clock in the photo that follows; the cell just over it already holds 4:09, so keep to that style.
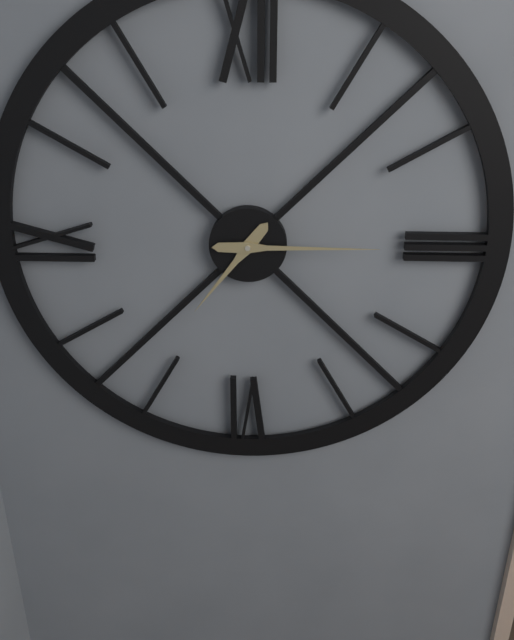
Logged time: 7:15
